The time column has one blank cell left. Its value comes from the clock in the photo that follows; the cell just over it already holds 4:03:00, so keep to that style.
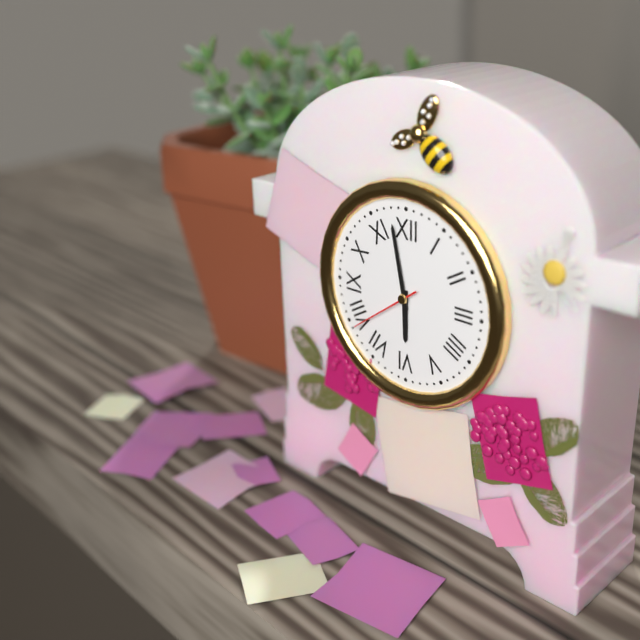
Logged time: 5:58:39
